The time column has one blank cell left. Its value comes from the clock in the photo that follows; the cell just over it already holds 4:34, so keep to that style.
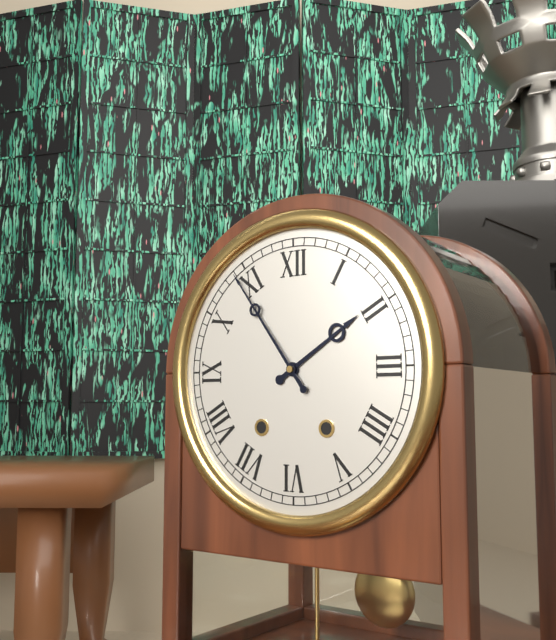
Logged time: 1:54
